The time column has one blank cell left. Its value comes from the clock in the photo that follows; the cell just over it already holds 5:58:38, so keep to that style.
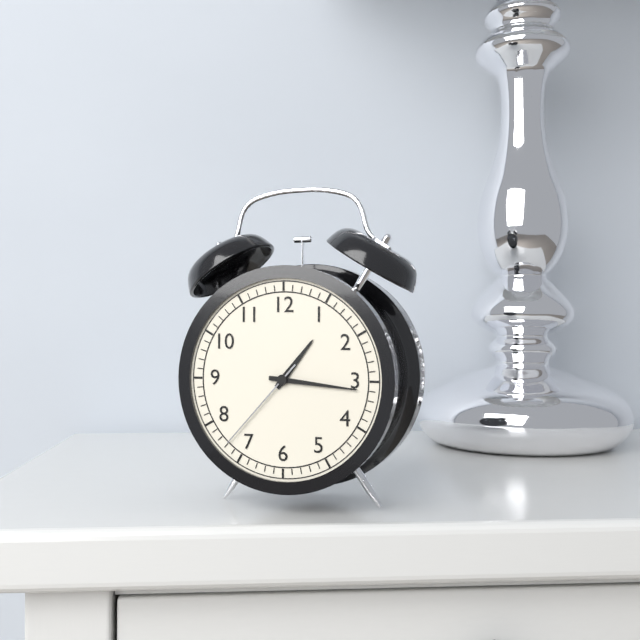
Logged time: 1:16:37
